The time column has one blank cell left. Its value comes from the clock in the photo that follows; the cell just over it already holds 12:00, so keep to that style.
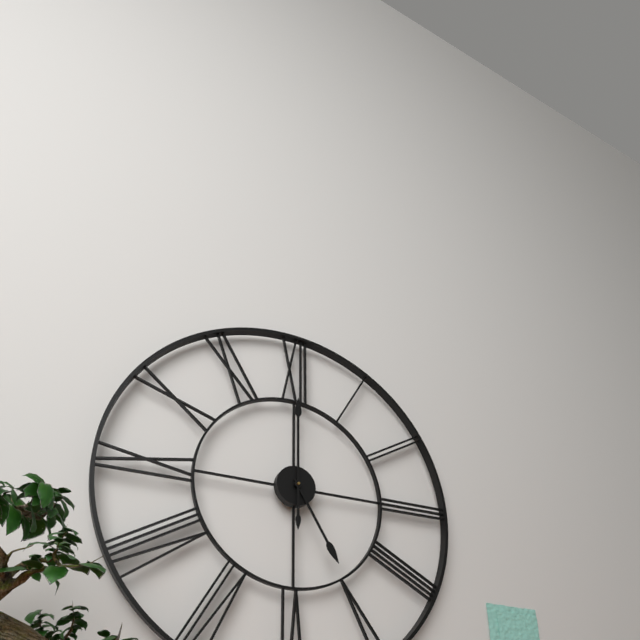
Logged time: 5:00
